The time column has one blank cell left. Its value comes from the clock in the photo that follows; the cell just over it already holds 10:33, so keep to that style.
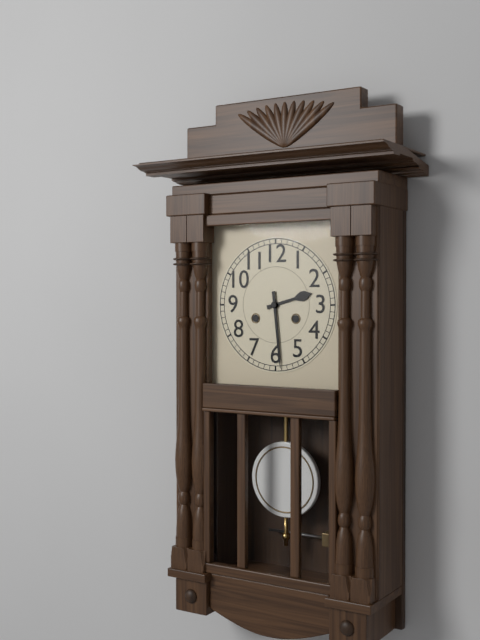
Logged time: 2:29
